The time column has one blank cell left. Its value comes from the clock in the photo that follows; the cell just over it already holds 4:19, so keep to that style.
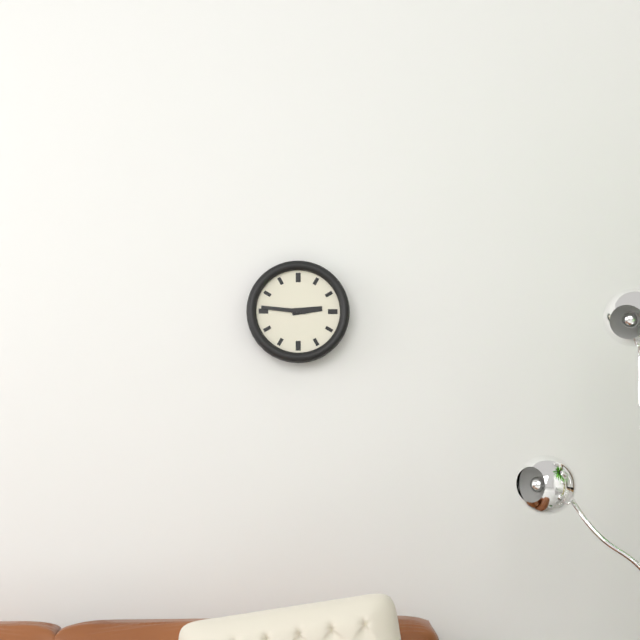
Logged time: 2:46
